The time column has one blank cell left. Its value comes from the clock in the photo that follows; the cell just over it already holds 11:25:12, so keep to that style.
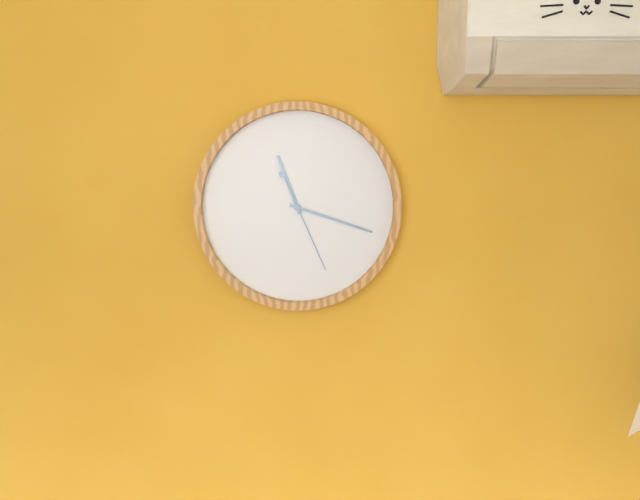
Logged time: 11:18:26
